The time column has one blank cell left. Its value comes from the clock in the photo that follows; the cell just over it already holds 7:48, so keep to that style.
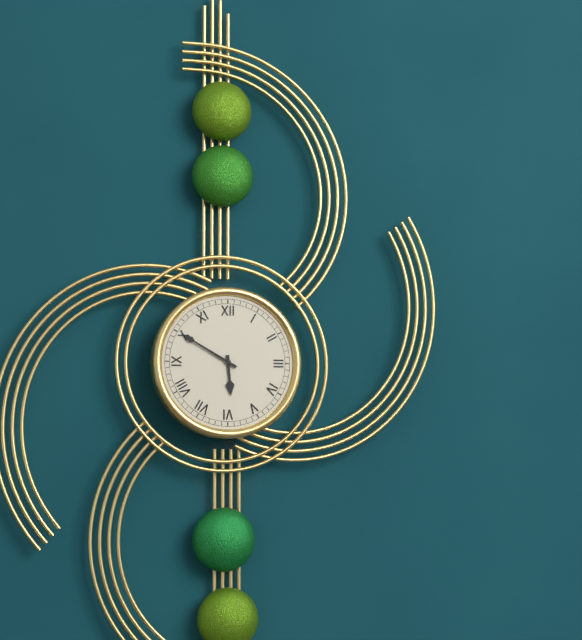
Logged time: 5:50
